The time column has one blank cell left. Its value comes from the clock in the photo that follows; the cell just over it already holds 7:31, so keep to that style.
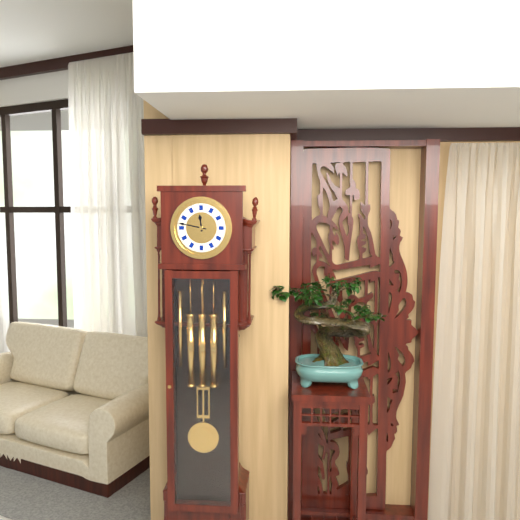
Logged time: 11:47
